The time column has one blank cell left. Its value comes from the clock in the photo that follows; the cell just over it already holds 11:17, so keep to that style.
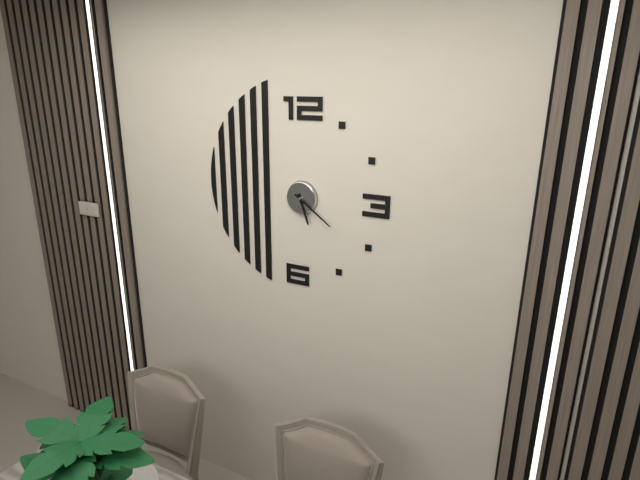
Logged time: 5:21
